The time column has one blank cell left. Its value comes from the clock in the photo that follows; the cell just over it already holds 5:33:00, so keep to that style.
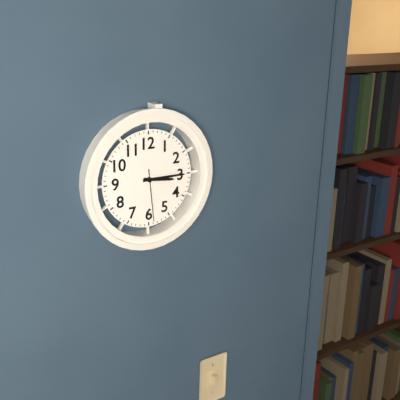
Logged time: 3:15:29
